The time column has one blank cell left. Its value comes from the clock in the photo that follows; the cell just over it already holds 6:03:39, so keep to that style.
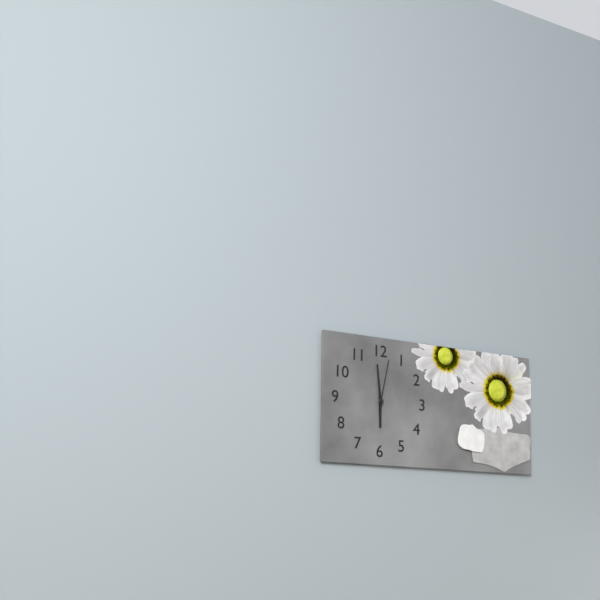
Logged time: 5:59:02
